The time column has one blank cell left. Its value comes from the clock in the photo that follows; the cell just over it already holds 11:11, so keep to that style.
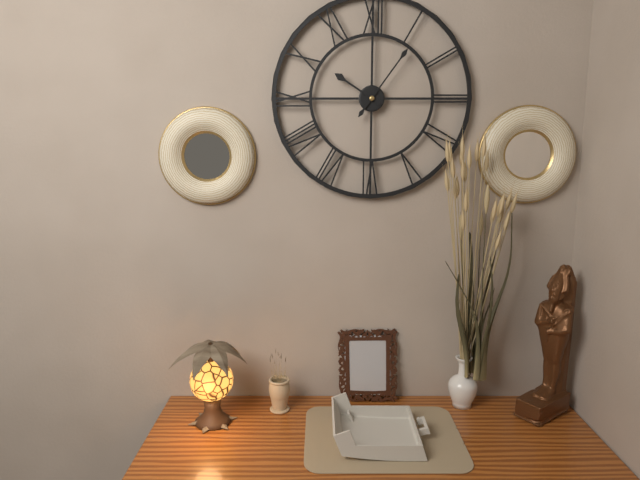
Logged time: 10:06
